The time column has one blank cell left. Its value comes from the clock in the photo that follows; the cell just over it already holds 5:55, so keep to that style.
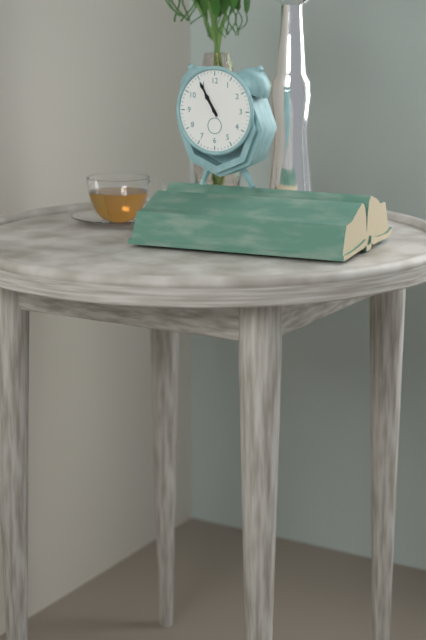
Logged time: 10:55
